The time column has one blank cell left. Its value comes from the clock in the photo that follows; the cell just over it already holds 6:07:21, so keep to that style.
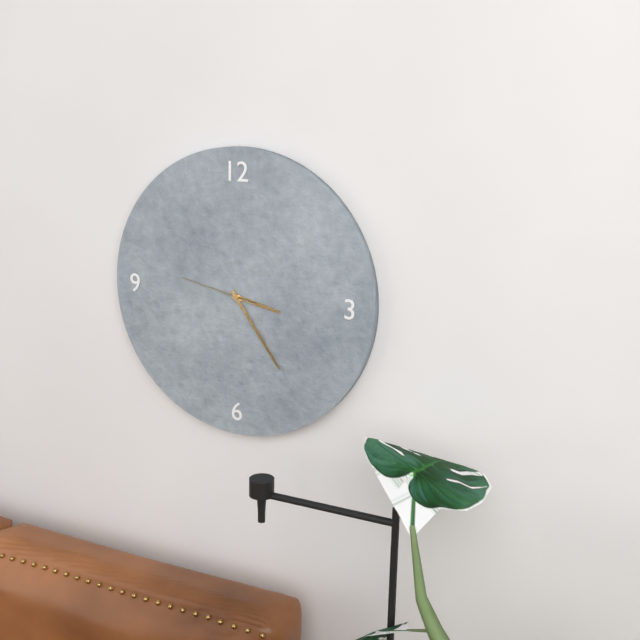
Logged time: 3:24:47
